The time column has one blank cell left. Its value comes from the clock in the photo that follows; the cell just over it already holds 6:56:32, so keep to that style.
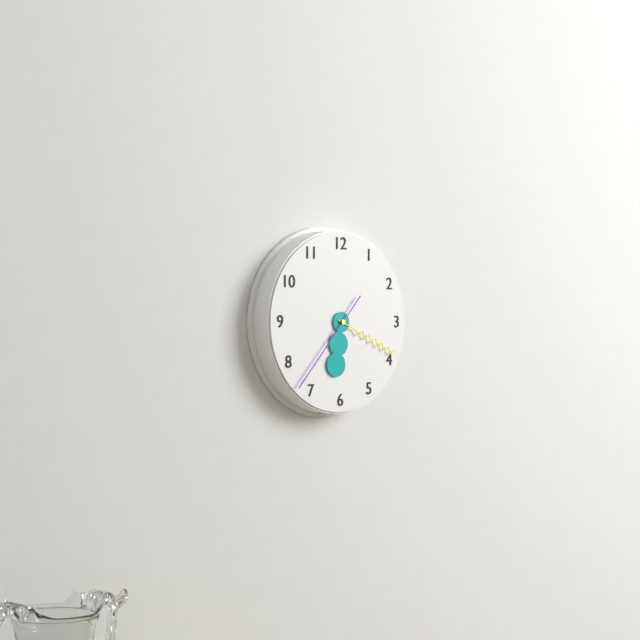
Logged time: 6:19:37
